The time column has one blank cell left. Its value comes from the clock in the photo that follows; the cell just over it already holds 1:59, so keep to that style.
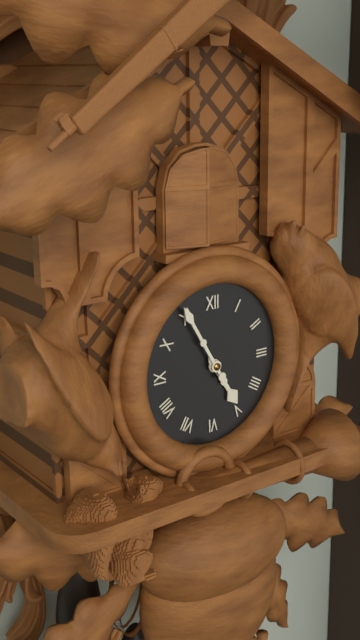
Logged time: 4:55
